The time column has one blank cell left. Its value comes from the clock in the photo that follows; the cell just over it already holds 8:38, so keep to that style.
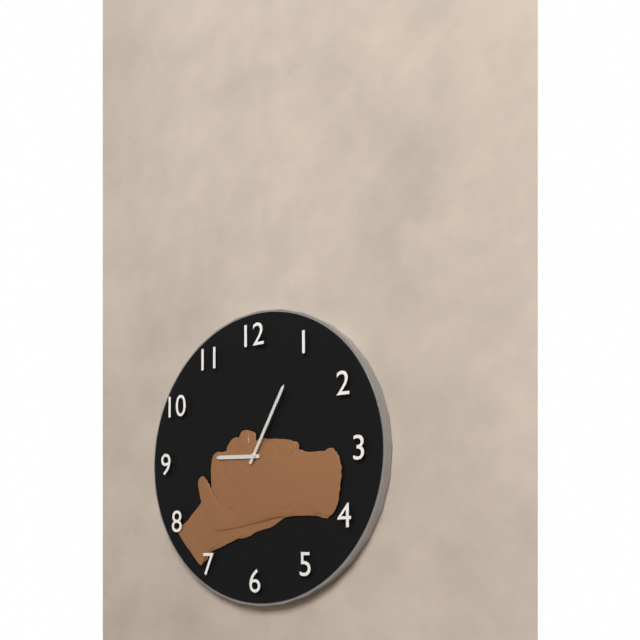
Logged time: 9:05
